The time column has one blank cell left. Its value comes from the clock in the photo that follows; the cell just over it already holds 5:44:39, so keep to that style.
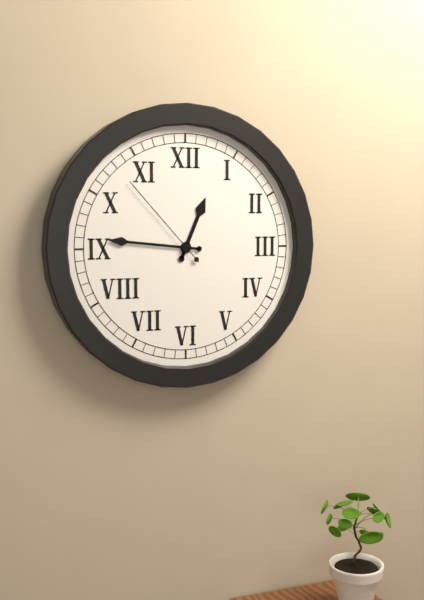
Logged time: 12:46:53
